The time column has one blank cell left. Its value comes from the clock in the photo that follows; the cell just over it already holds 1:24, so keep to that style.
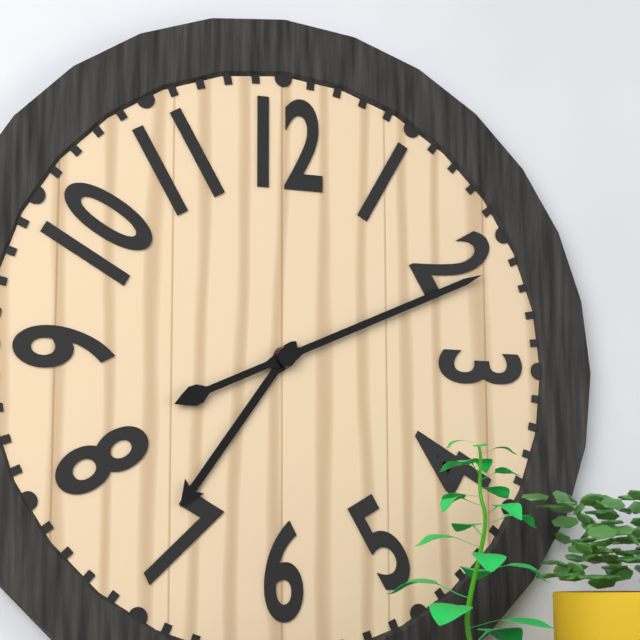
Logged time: 7:11
